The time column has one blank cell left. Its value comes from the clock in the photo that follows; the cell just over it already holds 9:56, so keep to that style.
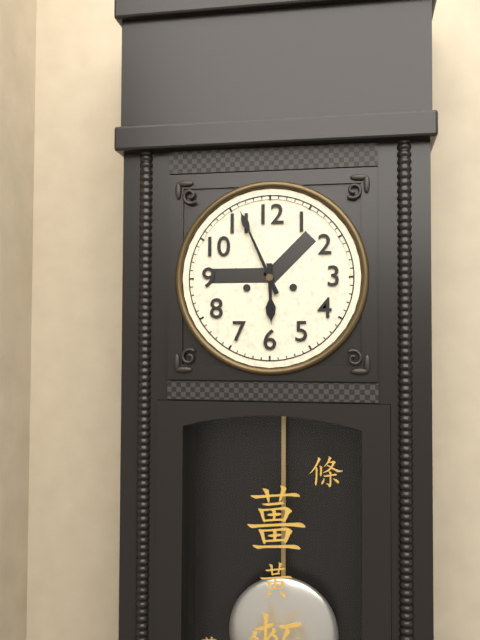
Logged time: 5:56
